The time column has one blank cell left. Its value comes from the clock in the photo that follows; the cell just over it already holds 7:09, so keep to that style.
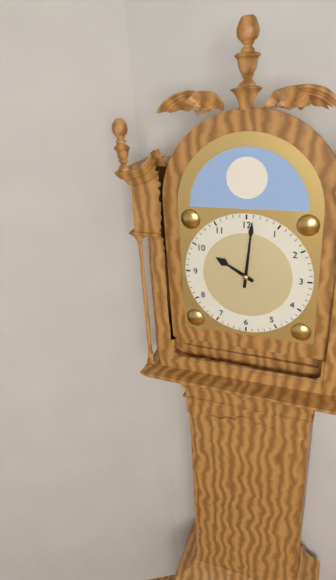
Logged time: 10:01
